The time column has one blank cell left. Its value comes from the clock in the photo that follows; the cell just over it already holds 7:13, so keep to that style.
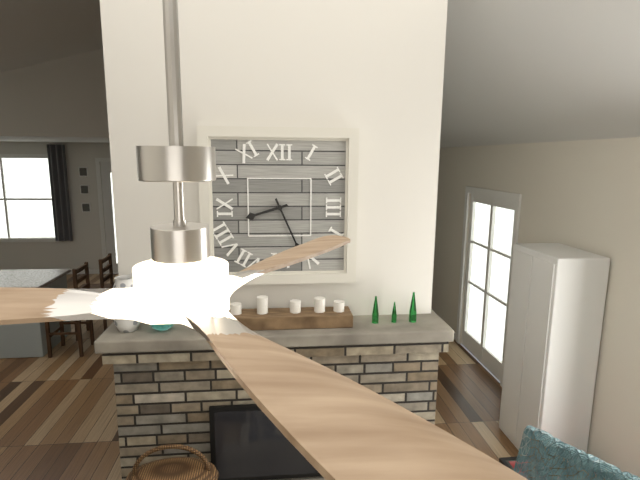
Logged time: 8:26
